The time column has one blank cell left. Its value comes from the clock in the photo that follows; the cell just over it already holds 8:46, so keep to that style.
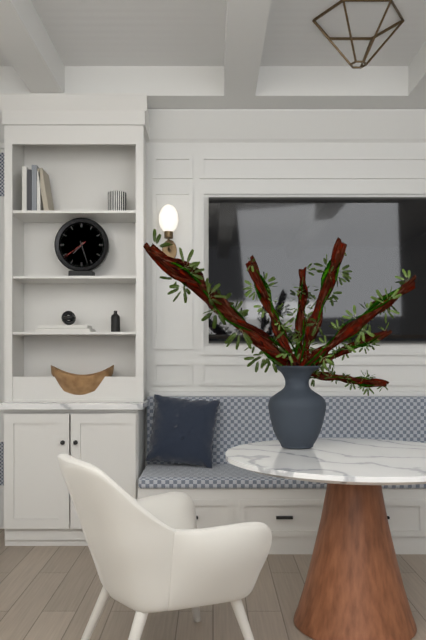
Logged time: 7:27
